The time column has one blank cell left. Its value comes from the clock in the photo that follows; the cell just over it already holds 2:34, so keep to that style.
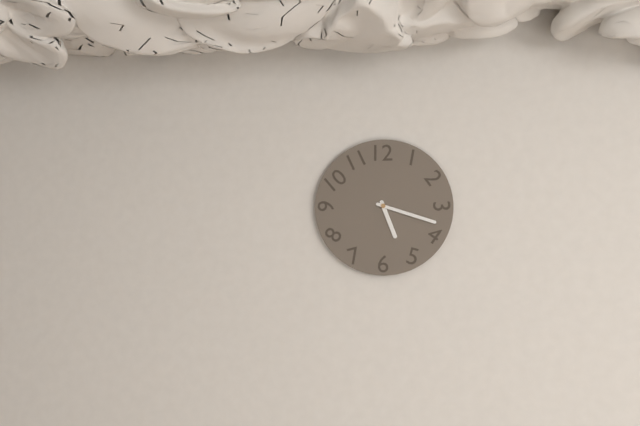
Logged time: 5:18
